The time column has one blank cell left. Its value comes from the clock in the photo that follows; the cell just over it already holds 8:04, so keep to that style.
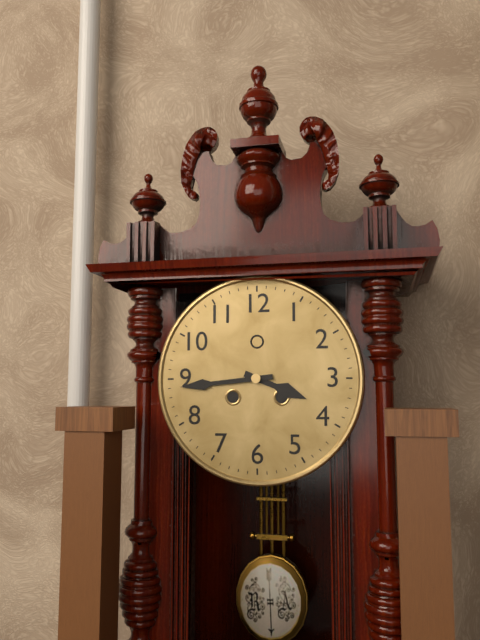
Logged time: 3:44
